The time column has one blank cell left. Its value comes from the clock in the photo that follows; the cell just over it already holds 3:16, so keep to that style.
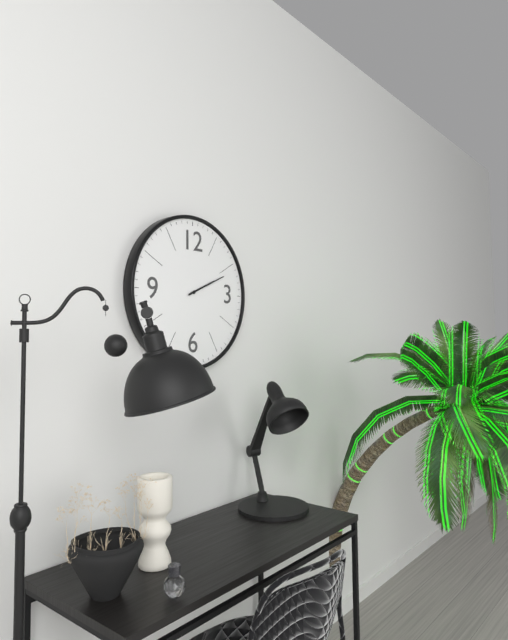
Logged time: 2:11
